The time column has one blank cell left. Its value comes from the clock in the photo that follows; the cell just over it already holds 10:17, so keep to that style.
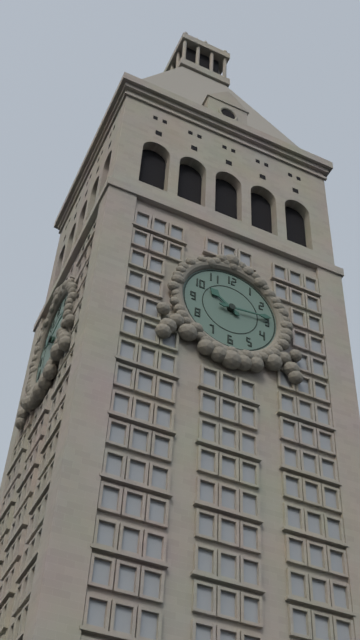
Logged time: 10:14
